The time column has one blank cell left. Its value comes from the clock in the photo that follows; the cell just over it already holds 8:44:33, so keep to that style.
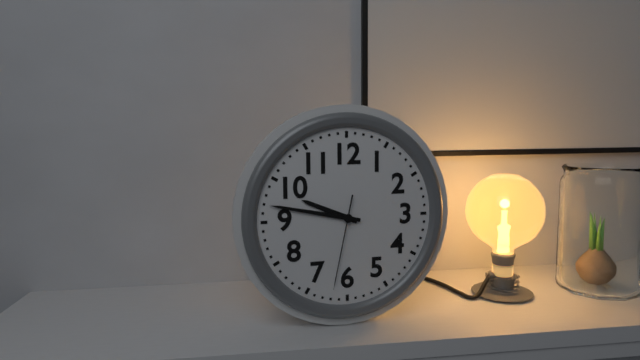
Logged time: 9:47:32
